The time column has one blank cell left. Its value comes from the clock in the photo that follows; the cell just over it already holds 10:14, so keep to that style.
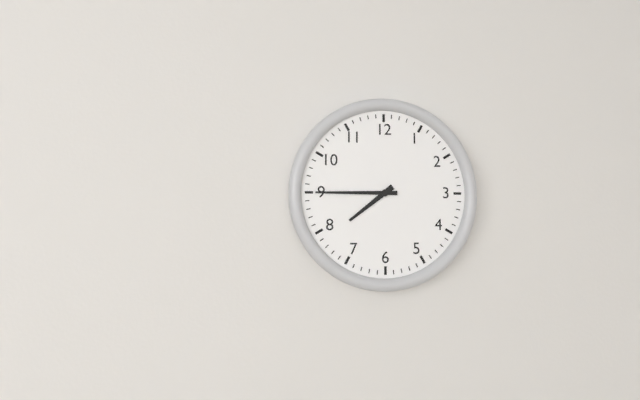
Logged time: 7:45
